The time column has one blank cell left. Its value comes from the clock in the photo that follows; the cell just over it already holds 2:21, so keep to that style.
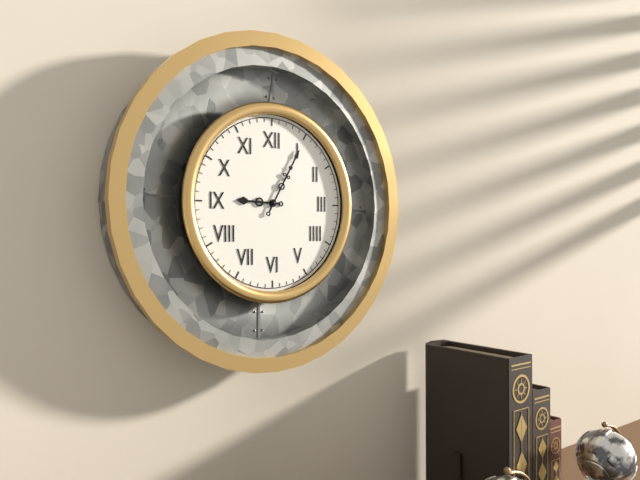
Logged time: 9:05
